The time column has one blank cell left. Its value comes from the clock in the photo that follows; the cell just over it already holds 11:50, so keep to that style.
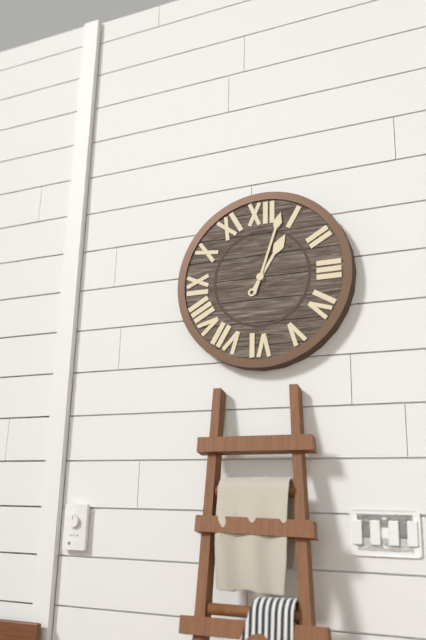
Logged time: 1:03
